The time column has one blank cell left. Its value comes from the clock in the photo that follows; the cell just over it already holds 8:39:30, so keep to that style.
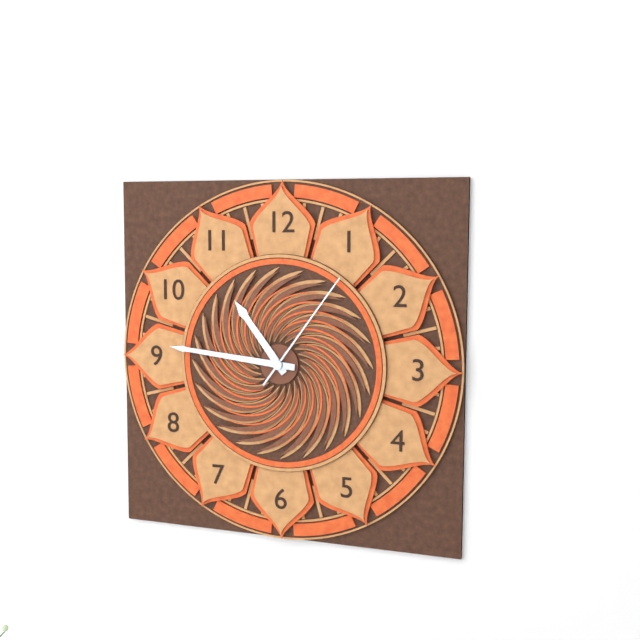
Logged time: 10:46:06
